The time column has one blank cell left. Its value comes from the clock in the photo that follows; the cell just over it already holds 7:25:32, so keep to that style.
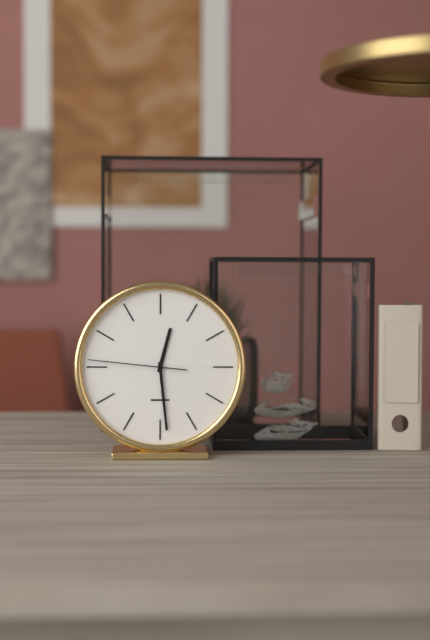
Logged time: 12:29:46
